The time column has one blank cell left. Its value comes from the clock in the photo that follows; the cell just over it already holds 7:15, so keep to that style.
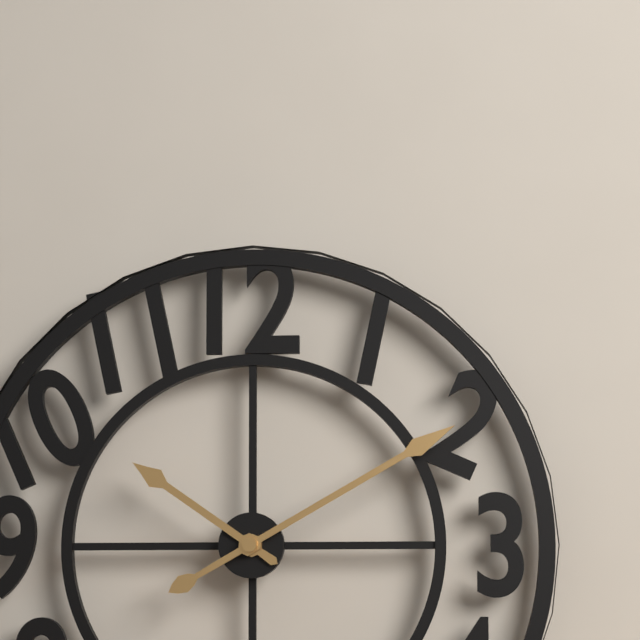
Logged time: 10:10
